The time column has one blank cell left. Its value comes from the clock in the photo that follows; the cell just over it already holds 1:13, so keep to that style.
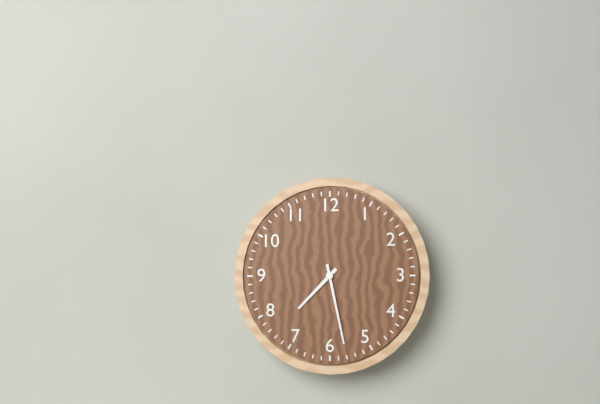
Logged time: 7:28
